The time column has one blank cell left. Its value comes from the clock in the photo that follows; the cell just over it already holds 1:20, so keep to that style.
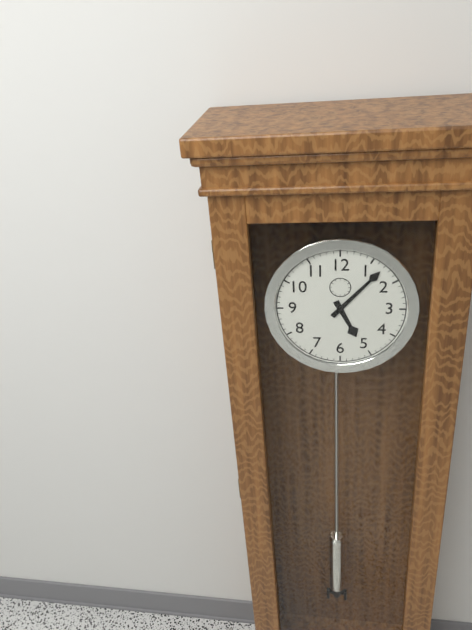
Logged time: 5:07
